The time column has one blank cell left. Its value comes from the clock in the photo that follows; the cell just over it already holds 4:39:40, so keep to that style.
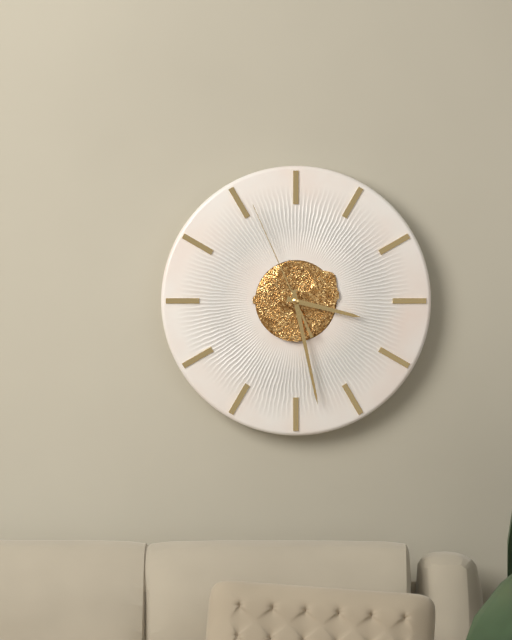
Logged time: 3:28:56
